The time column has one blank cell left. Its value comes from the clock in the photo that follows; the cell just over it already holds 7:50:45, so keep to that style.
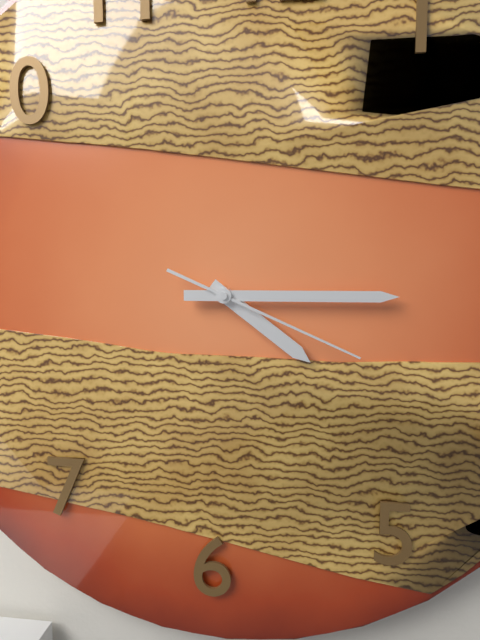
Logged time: 4:15:19
